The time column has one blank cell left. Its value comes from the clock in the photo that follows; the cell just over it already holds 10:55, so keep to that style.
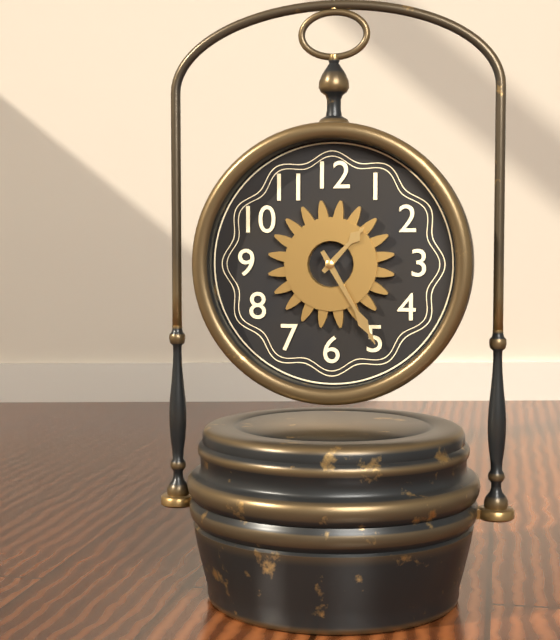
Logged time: 1:25
